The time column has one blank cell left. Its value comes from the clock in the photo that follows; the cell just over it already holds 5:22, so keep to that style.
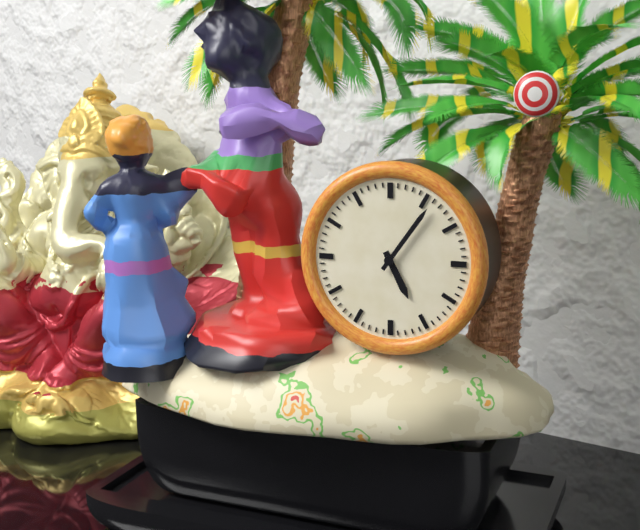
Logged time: 5:06
